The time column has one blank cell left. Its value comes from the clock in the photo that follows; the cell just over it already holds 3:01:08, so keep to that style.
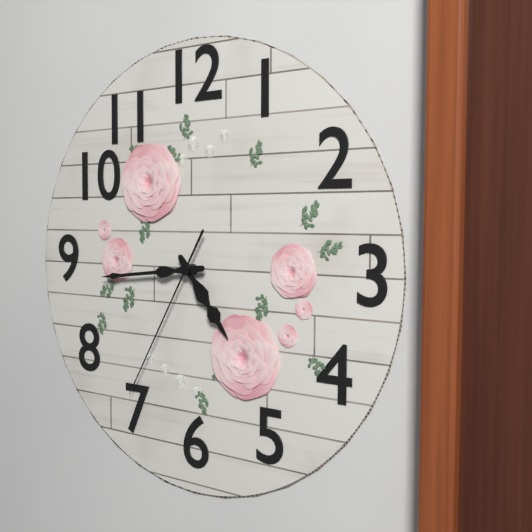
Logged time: 4:44:35
